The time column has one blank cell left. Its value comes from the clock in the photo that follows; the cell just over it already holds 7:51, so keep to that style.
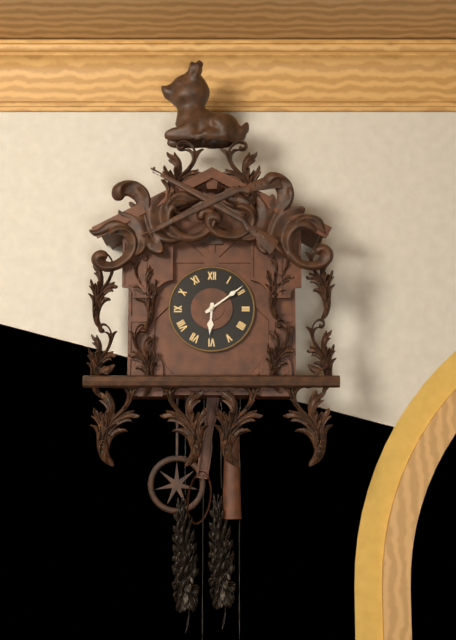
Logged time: 6:09
